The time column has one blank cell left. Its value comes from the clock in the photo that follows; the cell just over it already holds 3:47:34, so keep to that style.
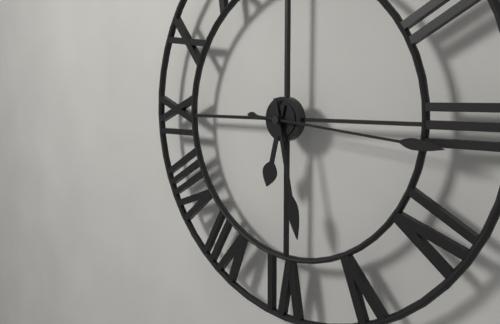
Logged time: 6:28:16
